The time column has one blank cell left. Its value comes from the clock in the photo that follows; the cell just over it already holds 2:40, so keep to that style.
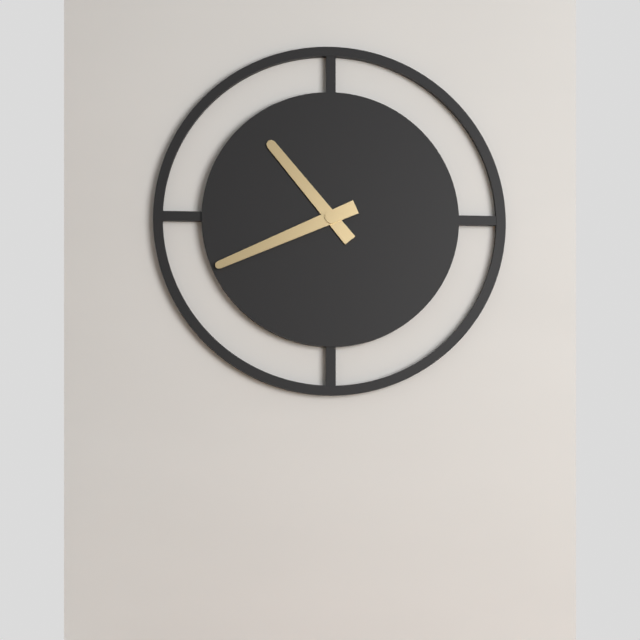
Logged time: 10:41
